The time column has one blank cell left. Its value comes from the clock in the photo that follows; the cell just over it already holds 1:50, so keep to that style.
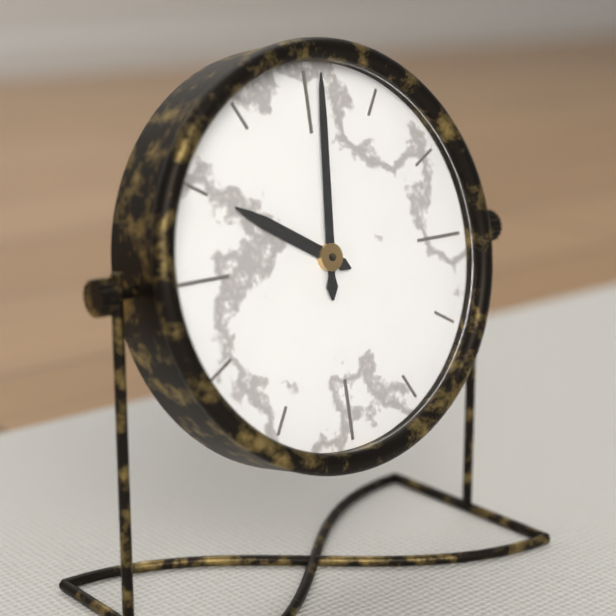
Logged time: 10:01
